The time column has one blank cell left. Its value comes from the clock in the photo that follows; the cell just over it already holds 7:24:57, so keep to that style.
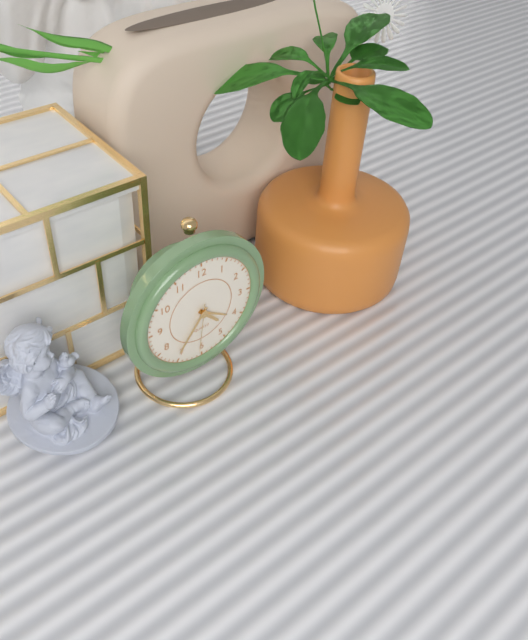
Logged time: 4:36:31
